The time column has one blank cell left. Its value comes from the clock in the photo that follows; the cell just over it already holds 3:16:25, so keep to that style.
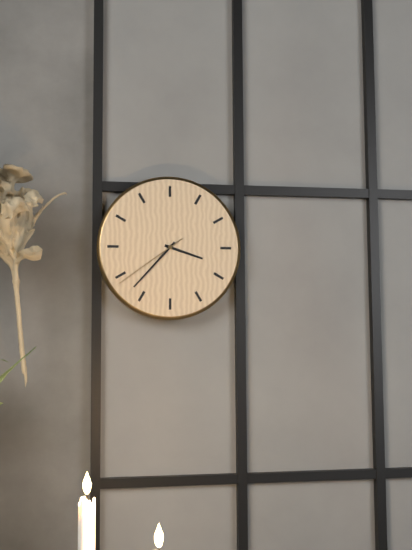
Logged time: 3:37:39
